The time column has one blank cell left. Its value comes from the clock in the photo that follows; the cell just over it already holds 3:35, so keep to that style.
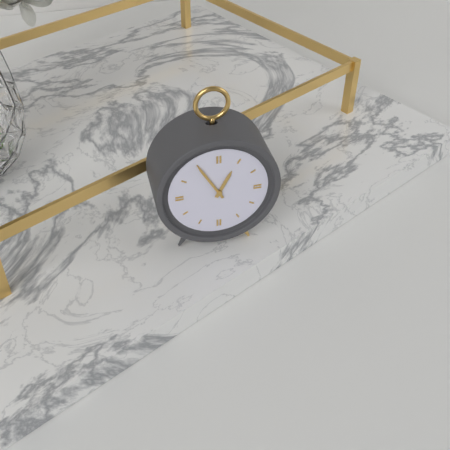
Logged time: 12:55
